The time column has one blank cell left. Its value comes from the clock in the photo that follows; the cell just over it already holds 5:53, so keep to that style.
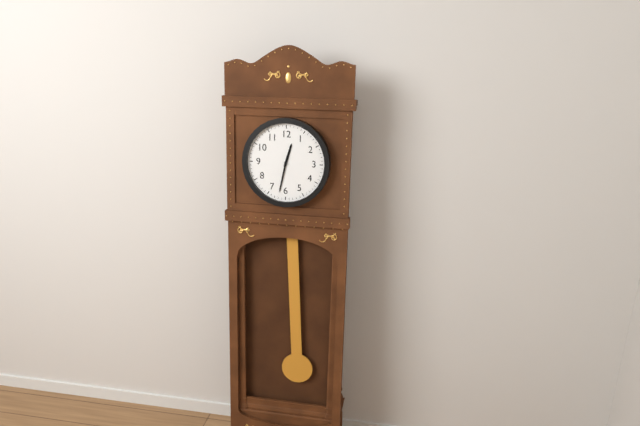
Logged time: 12:32
